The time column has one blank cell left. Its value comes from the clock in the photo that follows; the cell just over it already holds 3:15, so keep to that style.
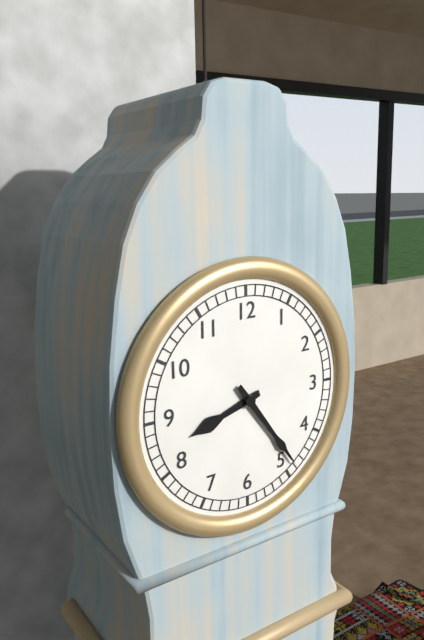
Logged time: 8:24
